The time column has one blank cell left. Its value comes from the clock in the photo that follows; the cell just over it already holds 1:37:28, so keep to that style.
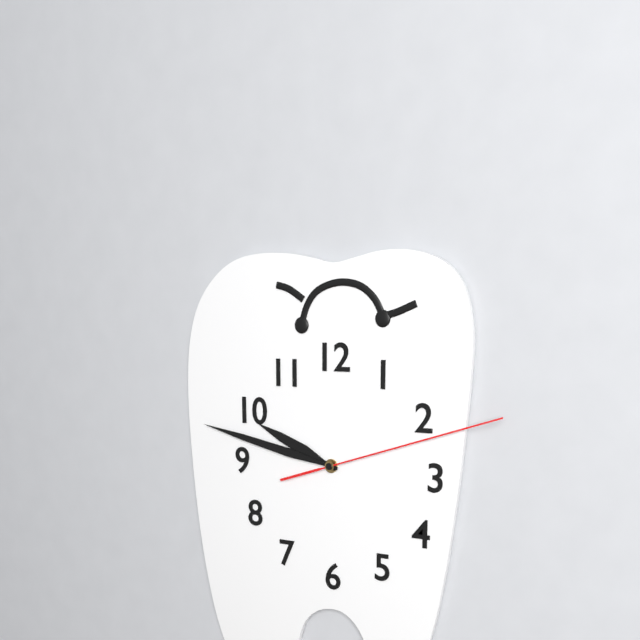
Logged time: 9:47:12
